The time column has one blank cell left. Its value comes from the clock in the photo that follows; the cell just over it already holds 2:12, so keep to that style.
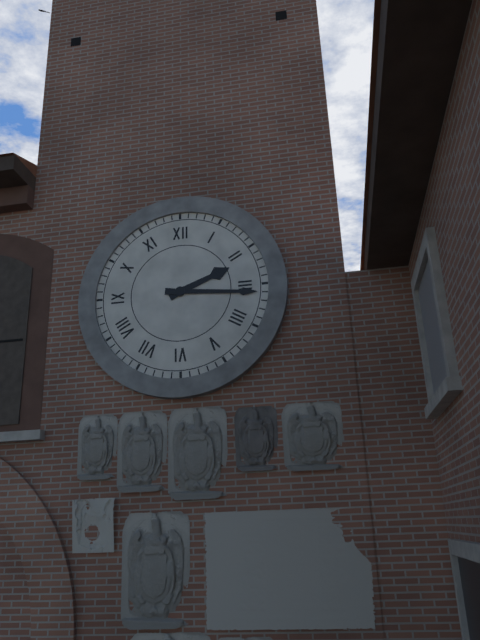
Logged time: 2:16
